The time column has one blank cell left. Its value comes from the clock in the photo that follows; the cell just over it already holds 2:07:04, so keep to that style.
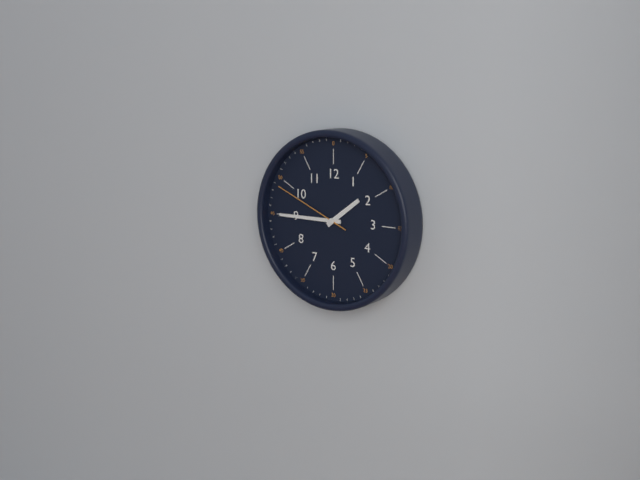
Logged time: 1:45:49
